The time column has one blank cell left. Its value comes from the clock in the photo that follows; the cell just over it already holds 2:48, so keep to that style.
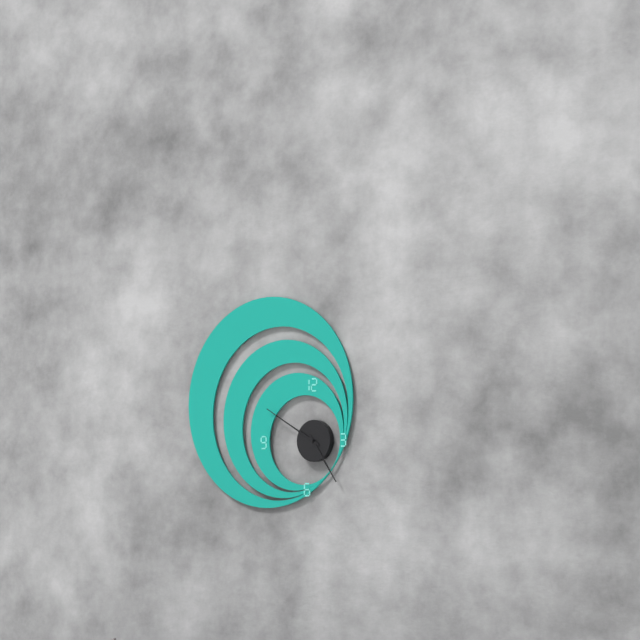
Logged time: 4:50
